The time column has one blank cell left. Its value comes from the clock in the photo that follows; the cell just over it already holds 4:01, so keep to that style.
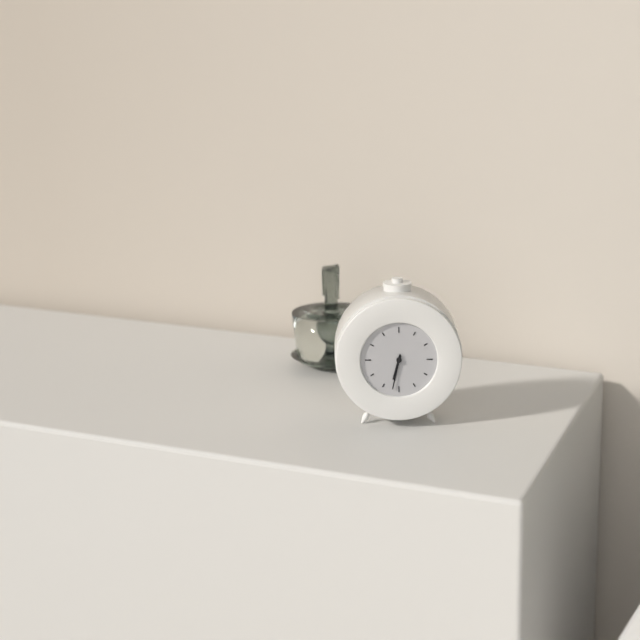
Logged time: 6:32
